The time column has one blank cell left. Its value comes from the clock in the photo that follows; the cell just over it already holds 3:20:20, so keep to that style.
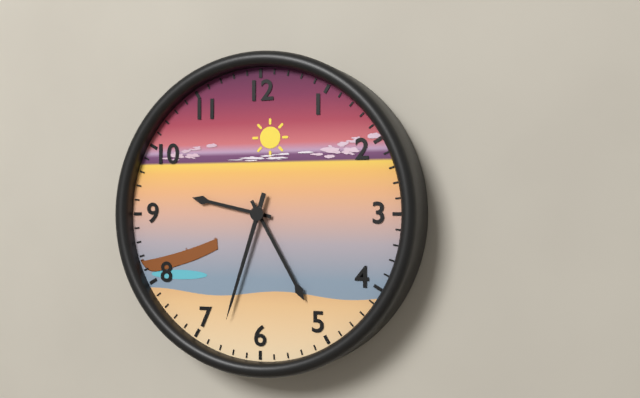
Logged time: 9:25:33
